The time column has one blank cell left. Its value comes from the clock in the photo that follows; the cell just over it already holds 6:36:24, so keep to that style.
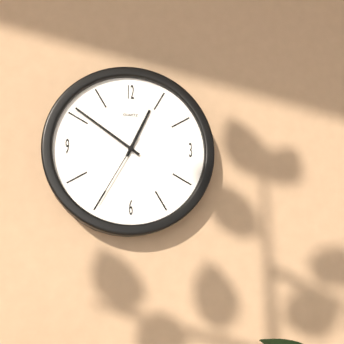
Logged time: 12:51:35
